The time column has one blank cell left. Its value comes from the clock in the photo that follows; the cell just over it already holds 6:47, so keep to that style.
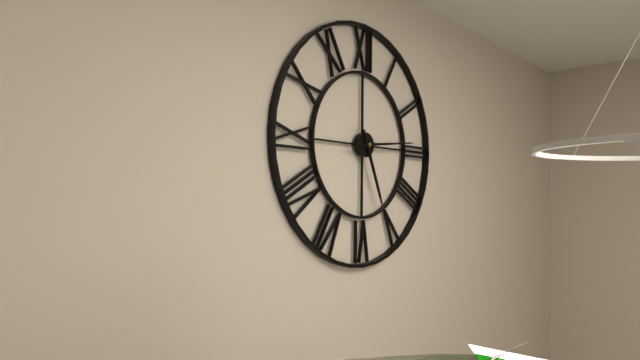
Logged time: 5:14
